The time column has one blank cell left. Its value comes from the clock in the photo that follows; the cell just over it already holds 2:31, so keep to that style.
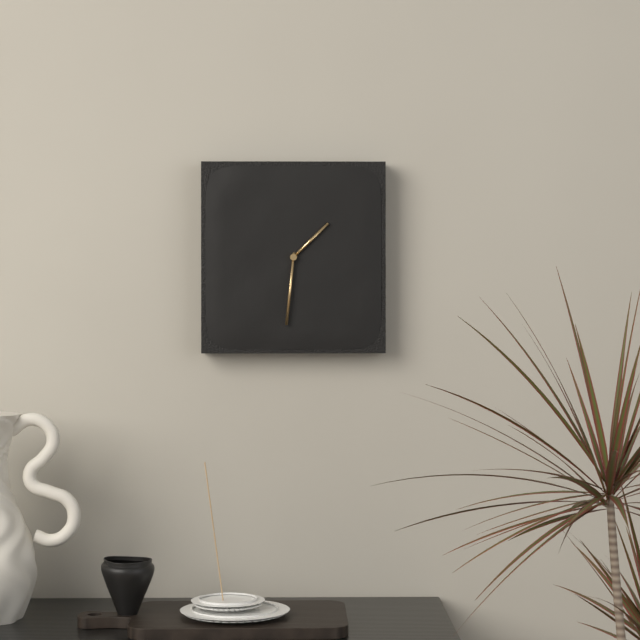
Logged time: 1:31
